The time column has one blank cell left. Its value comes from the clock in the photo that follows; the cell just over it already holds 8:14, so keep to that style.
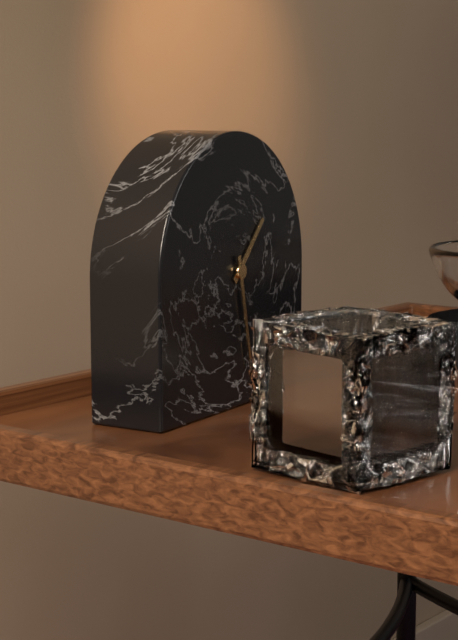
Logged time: 1:28
